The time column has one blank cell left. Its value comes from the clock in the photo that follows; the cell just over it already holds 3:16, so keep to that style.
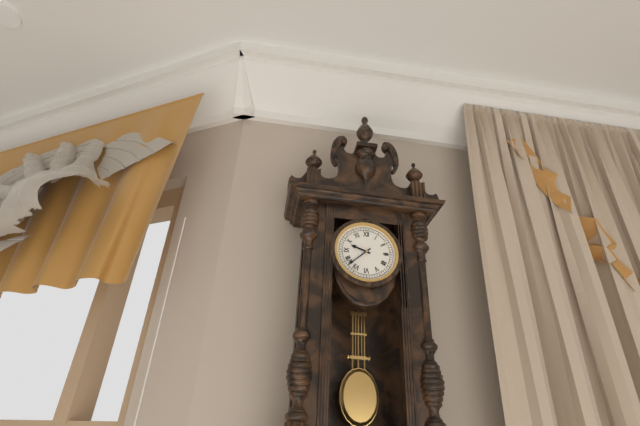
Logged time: 9:38
